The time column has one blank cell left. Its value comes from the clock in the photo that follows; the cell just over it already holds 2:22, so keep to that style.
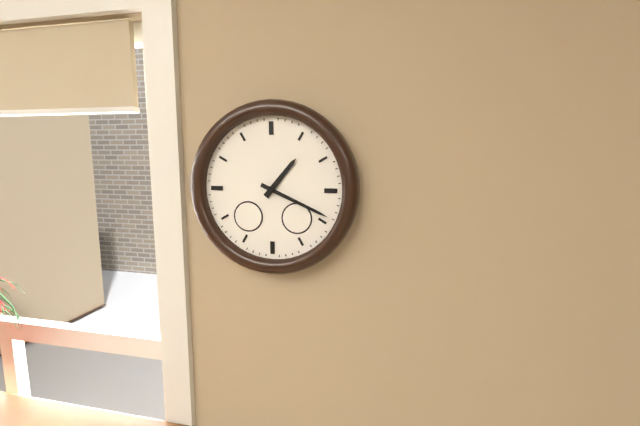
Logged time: 1:19
